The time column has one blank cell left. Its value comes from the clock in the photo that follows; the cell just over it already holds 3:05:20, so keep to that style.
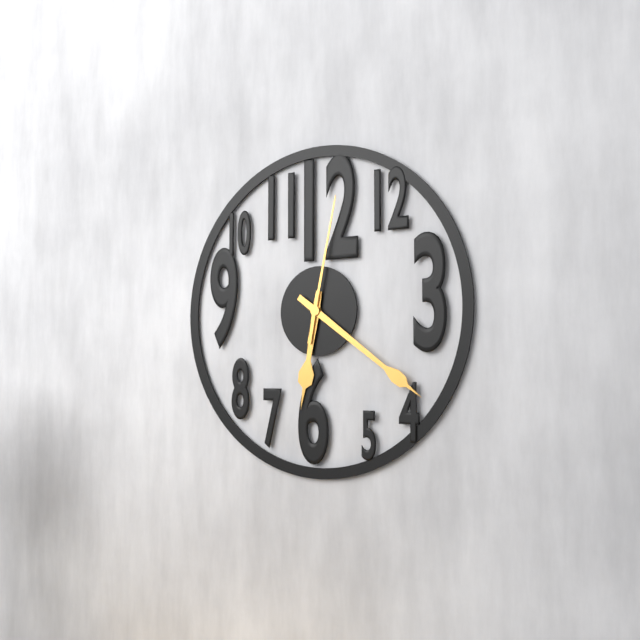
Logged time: 6:21:02
